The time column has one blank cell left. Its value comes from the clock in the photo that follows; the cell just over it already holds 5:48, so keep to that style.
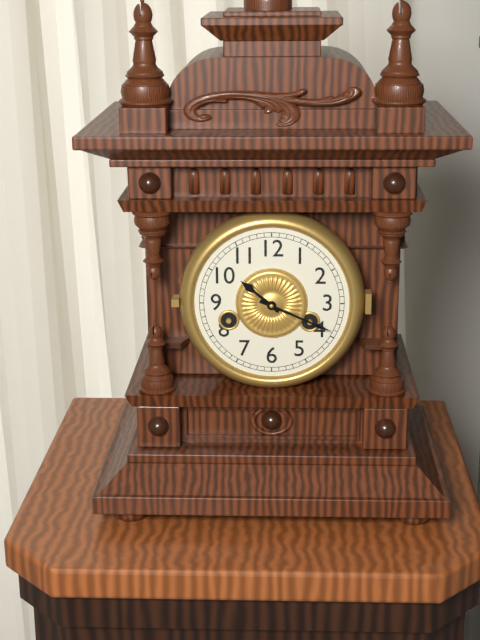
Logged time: 10:19
